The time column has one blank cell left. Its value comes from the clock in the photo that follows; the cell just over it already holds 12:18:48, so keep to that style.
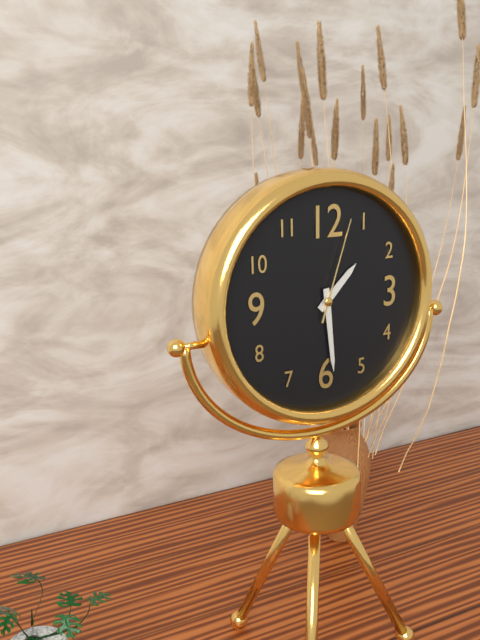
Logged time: 1:29:03
